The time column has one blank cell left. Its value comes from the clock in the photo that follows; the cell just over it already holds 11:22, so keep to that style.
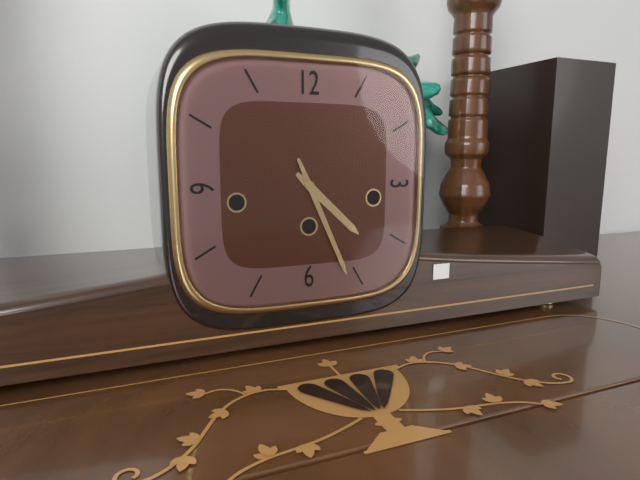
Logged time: 4:26
